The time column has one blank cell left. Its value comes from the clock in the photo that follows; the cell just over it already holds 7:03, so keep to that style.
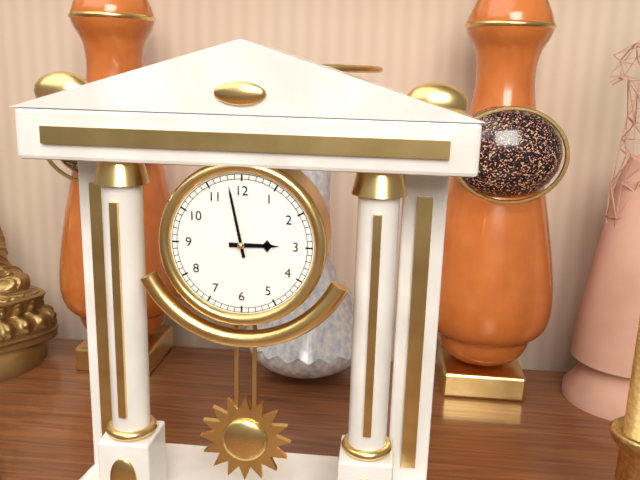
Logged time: 2:58
